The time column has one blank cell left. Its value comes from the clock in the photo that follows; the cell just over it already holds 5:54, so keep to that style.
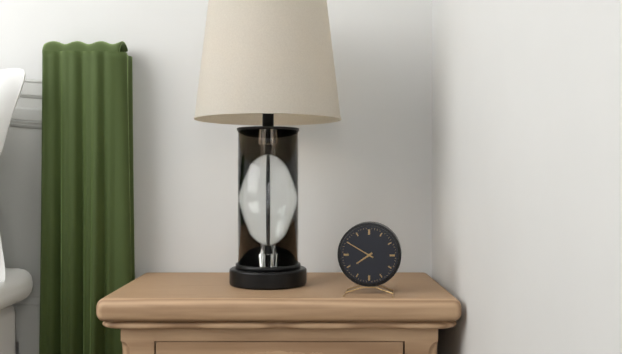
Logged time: 7:50
